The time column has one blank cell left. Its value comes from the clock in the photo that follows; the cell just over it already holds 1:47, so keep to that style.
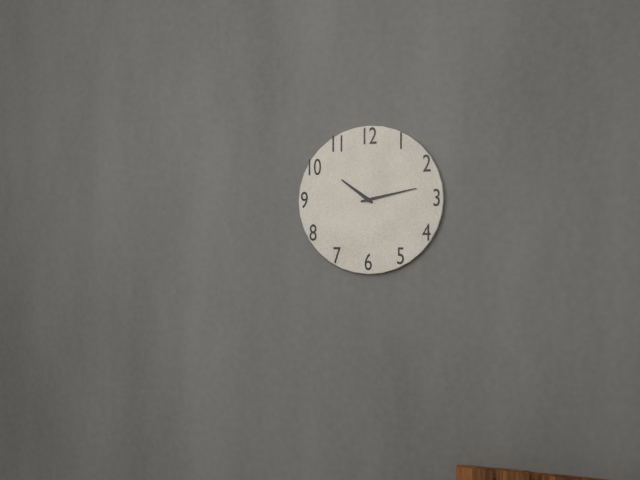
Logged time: 10:13
